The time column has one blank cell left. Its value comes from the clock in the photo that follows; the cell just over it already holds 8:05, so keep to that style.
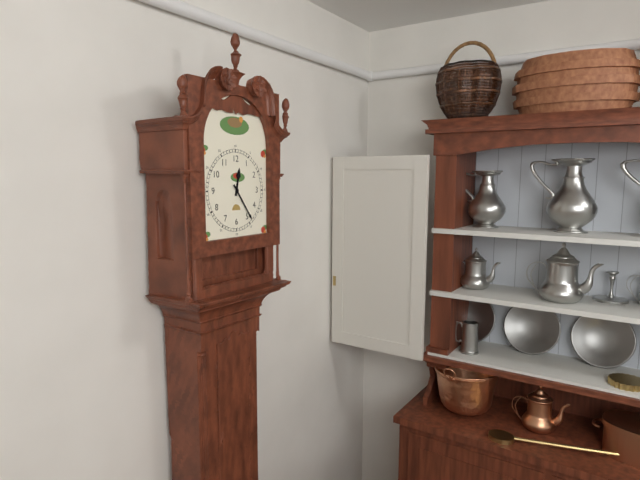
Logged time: 12:24
